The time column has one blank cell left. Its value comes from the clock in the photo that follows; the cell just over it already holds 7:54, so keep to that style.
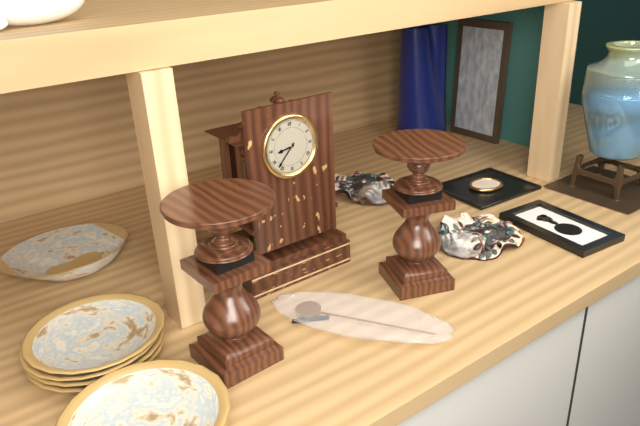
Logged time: 8:37
